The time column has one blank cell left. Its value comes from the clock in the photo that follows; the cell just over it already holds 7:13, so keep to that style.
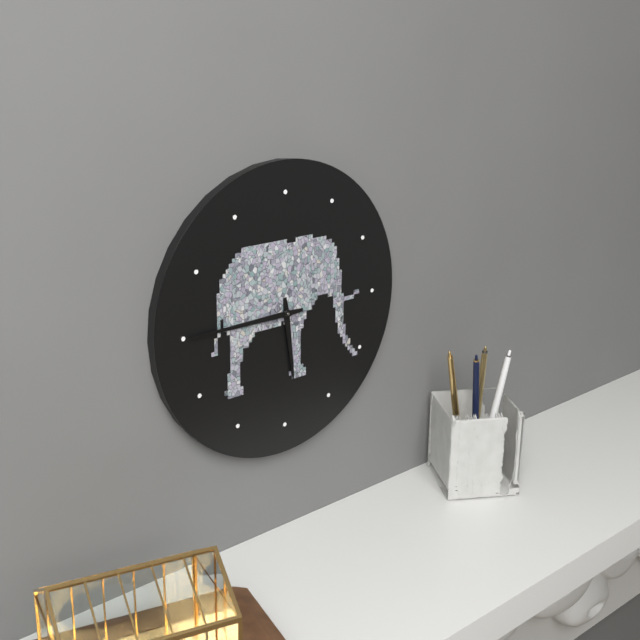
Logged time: 5:45
